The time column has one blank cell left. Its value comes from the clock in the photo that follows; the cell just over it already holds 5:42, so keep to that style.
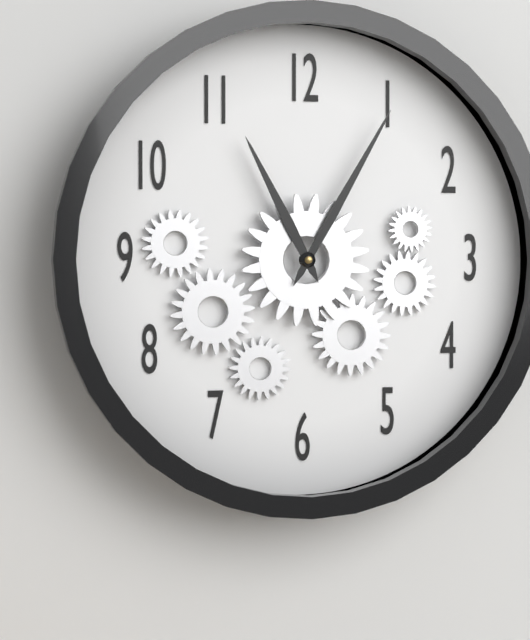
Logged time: 11:05
